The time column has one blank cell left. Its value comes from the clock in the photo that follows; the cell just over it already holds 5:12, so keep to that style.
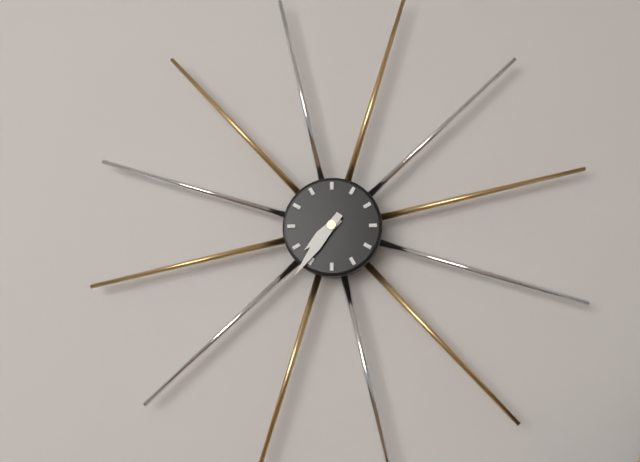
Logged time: 7:36
